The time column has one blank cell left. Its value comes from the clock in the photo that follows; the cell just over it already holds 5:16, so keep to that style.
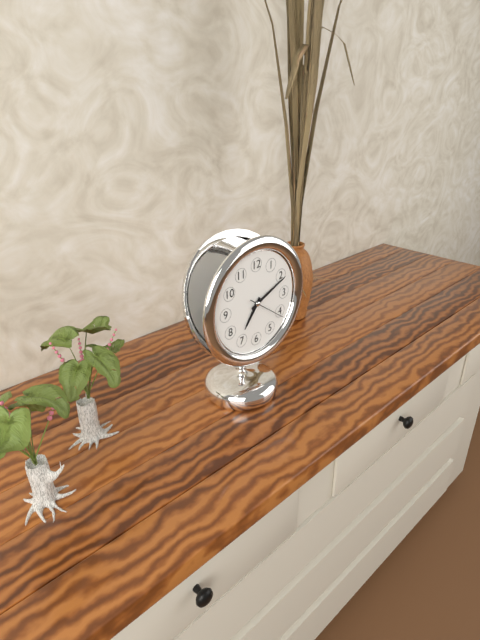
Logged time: 7:11
